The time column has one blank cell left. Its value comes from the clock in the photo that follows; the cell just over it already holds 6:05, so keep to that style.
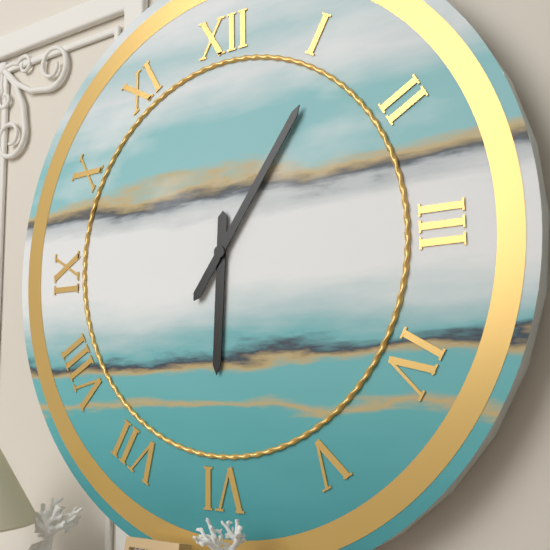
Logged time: 6:06
